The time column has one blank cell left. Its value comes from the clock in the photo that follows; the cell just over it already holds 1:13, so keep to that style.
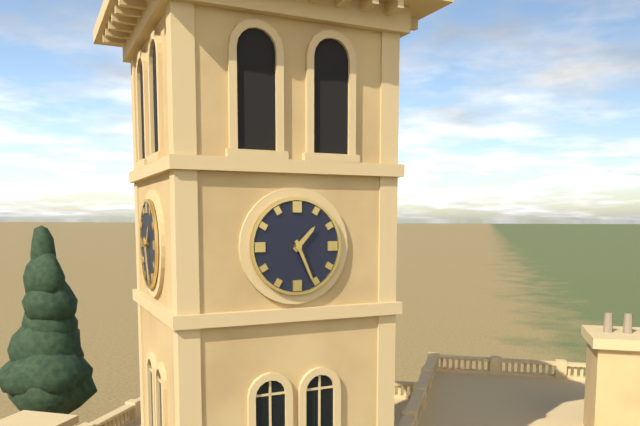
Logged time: 1:26
